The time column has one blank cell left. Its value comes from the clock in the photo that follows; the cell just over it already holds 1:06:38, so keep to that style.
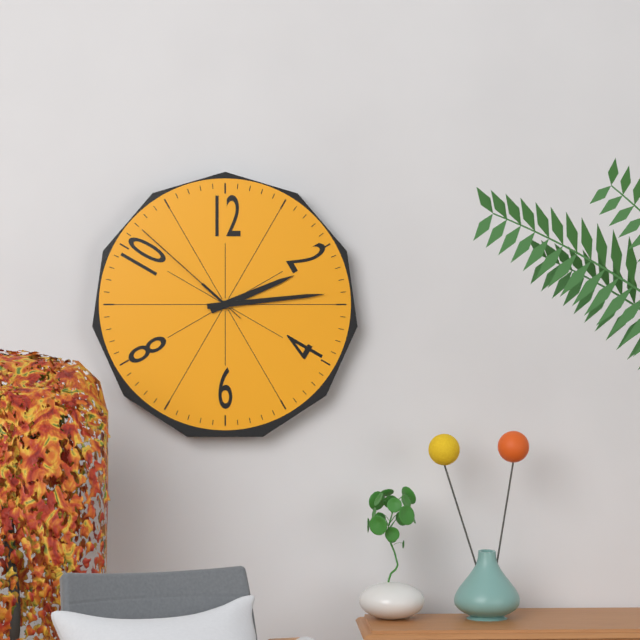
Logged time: 2:14:52
